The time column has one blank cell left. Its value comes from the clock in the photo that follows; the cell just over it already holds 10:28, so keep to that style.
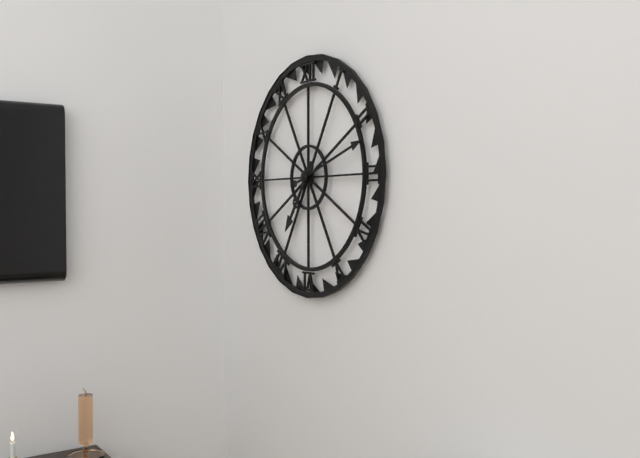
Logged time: 7:12
